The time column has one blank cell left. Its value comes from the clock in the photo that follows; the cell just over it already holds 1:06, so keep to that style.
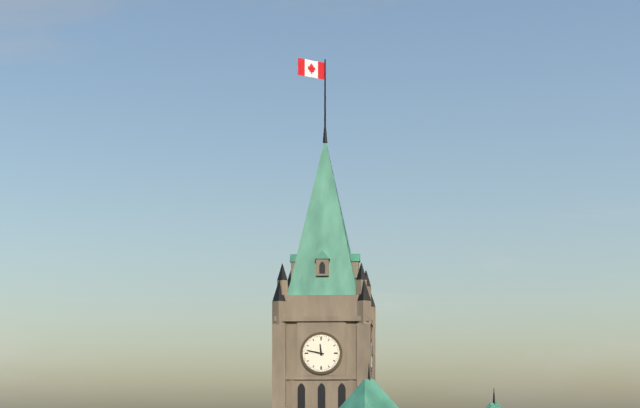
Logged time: 11:47
